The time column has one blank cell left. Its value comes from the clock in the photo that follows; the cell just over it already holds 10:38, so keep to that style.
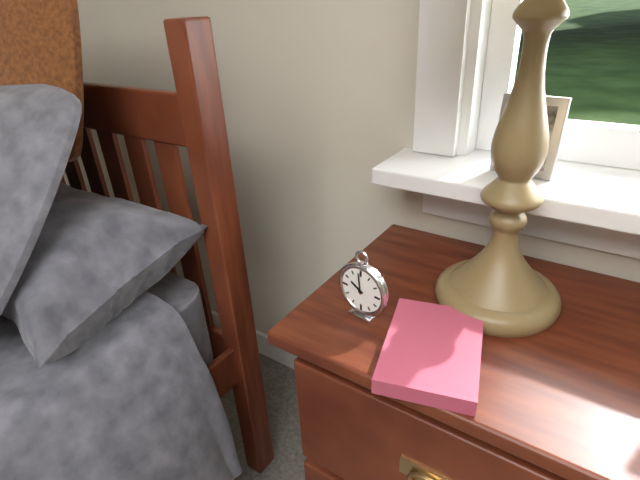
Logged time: 9:59
